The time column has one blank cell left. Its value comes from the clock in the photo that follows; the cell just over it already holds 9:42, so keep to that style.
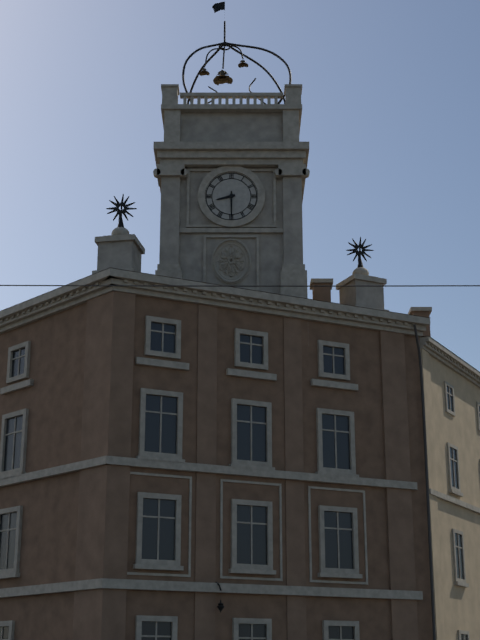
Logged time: 8:30
